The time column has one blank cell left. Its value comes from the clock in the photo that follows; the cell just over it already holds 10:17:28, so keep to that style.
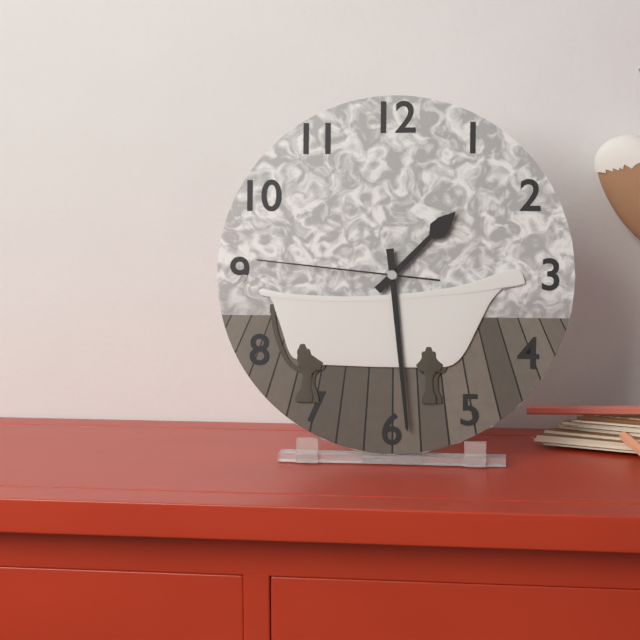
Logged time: 1:29:46
